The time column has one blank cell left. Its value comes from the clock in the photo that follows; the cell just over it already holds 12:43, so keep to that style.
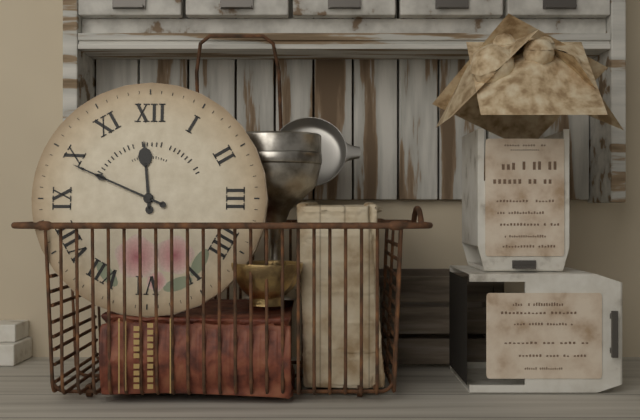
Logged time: 11:49
